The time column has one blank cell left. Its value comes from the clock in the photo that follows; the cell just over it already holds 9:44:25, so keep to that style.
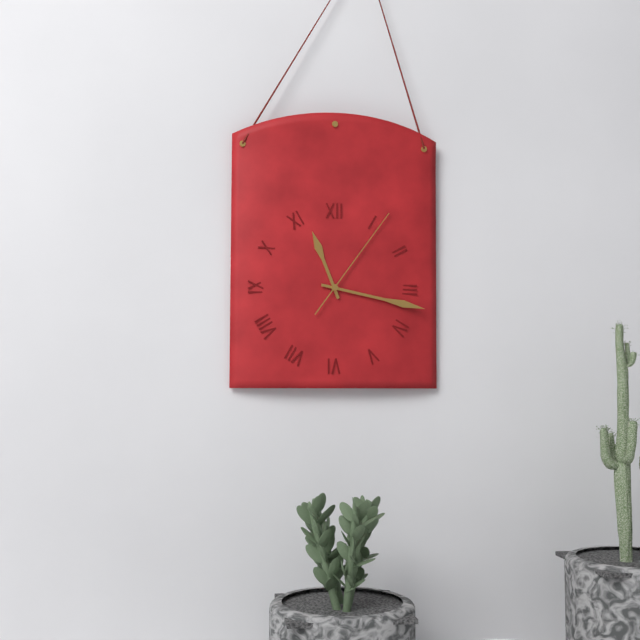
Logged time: 11:17:06
